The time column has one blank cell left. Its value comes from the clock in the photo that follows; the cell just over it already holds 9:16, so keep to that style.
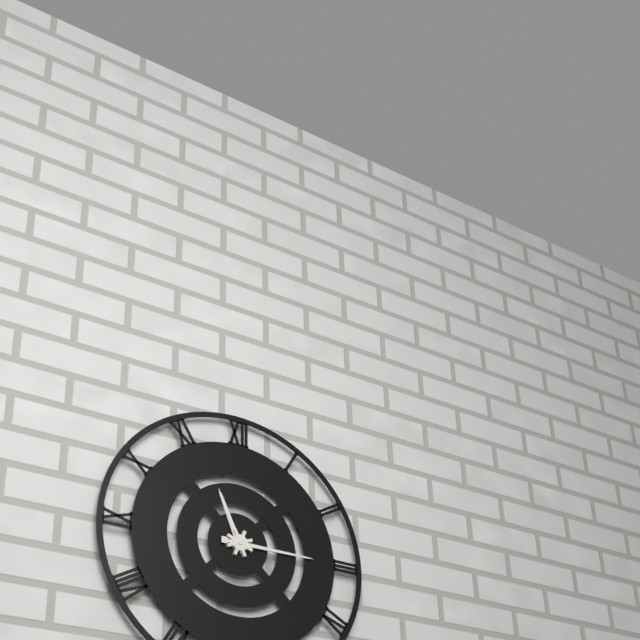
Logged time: 11:15
